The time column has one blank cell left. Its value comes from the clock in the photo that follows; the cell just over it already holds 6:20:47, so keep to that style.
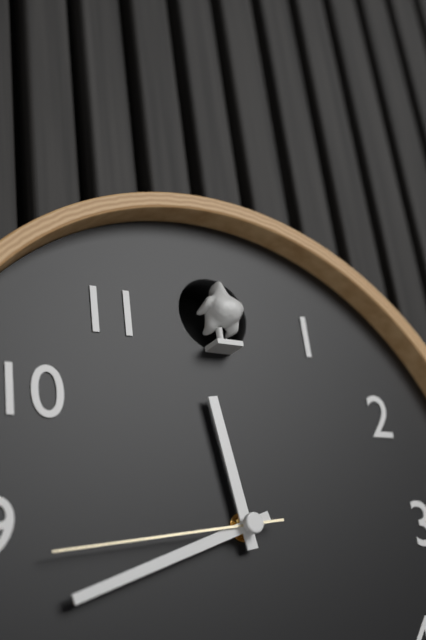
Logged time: 11:42:44
